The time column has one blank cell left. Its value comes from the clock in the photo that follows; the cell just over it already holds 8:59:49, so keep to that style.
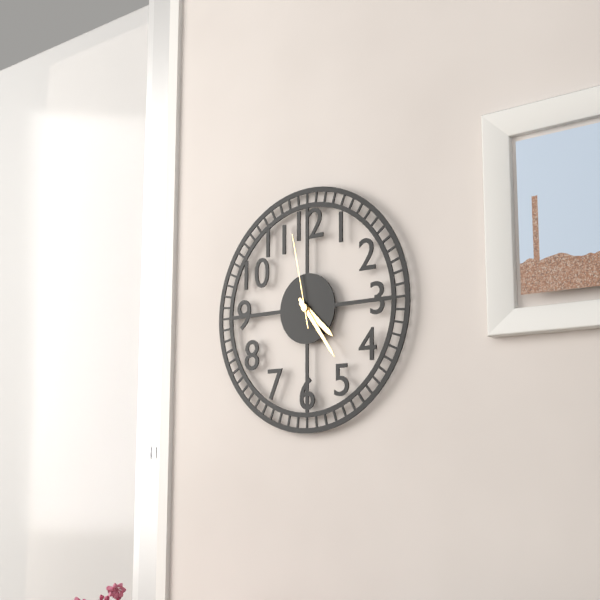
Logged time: 4:24:58
